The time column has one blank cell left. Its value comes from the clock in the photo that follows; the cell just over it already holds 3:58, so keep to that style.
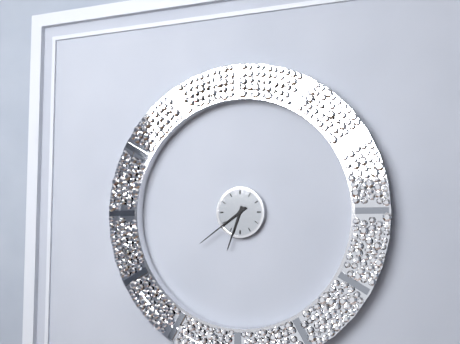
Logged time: 6:39
